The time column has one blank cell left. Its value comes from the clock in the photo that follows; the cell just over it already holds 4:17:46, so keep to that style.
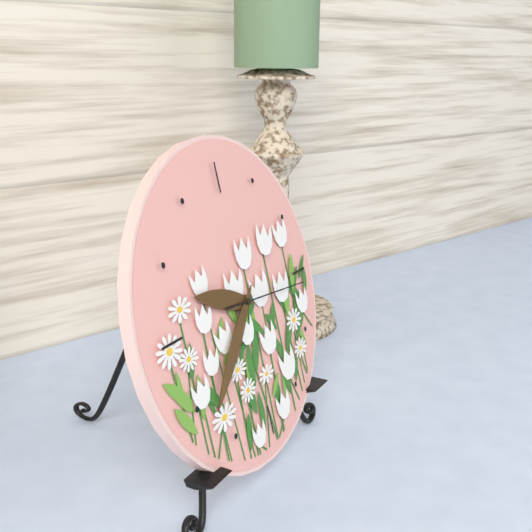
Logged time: 9:38:16
